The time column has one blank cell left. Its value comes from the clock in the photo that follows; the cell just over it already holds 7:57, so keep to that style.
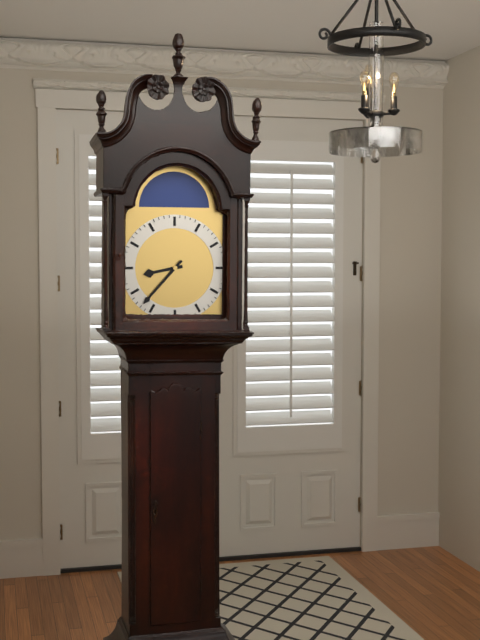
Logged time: 8:37
